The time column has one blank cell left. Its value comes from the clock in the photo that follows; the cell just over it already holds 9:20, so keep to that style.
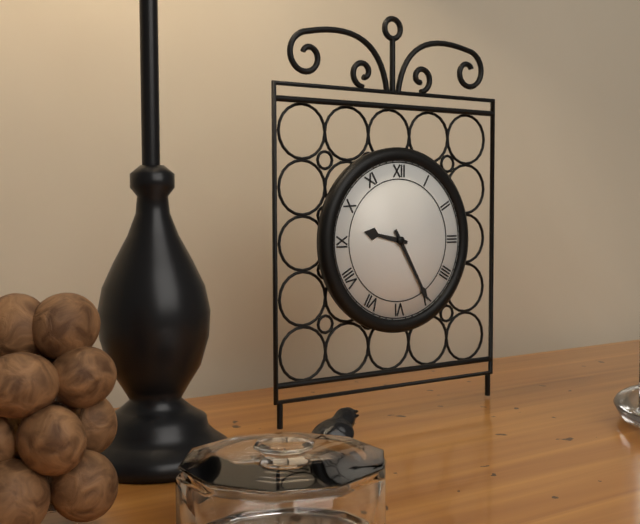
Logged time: 9:25
